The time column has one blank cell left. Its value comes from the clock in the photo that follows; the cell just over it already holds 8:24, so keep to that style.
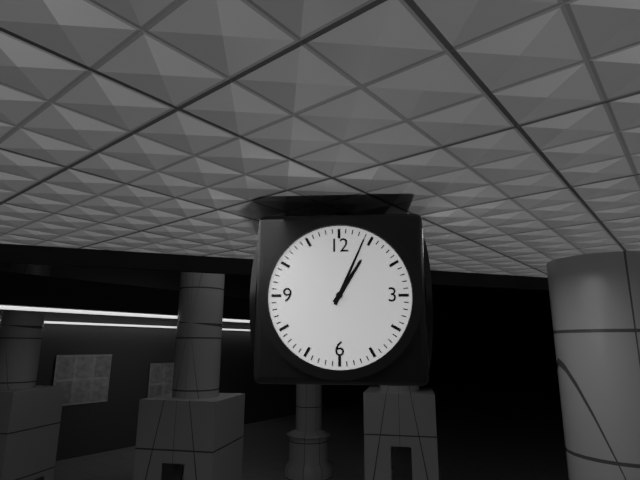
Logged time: 1:04
